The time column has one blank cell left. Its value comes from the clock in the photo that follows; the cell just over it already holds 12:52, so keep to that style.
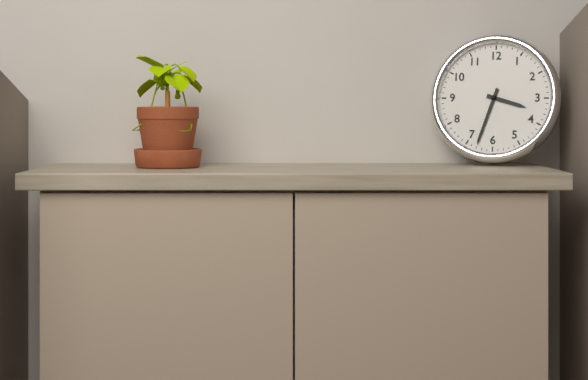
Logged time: 3:33
